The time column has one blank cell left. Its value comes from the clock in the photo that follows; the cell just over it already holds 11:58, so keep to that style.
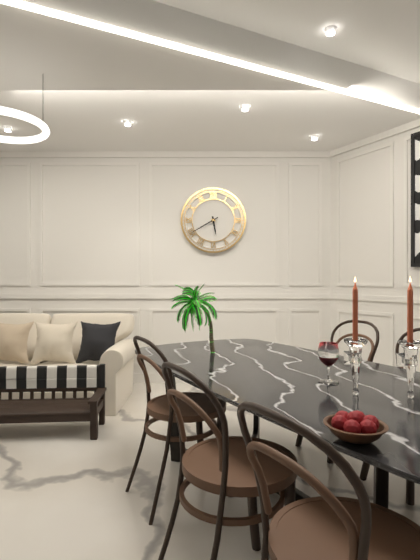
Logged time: 5:40
